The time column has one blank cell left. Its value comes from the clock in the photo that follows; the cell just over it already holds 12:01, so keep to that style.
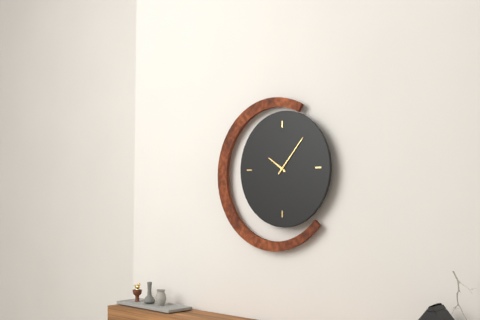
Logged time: 10:07
